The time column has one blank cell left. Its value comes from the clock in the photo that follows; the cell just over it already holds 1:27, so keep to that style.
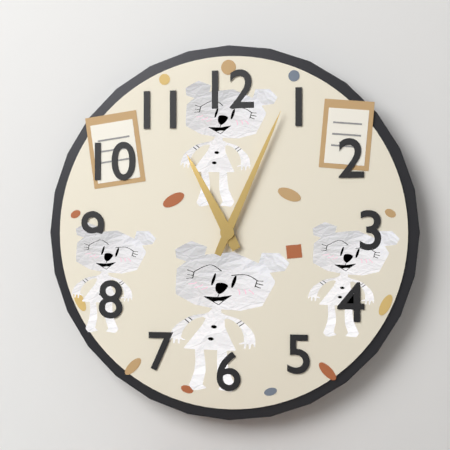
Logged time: 11:04
